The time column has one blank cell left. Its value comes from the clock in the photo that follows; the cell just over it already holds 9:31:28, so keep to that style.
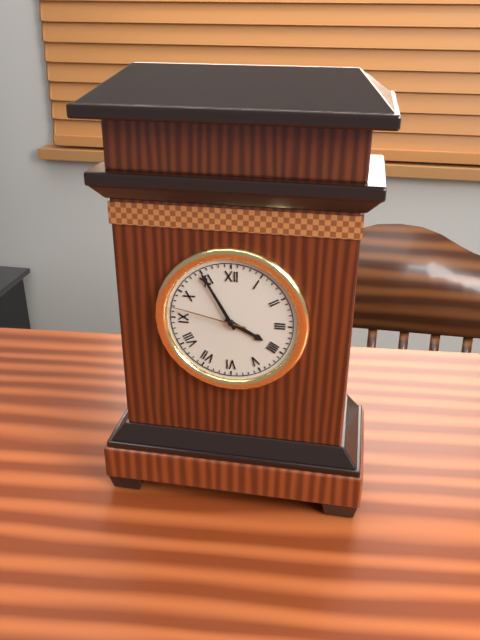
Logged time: 3:55:47
